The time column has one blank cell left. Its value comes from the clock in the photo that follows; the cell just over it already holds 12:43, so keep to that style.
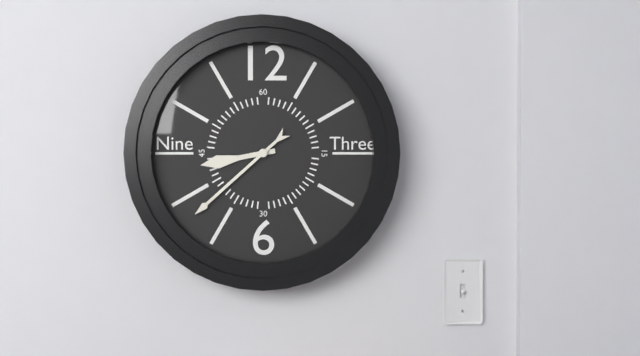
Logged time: 8:38
